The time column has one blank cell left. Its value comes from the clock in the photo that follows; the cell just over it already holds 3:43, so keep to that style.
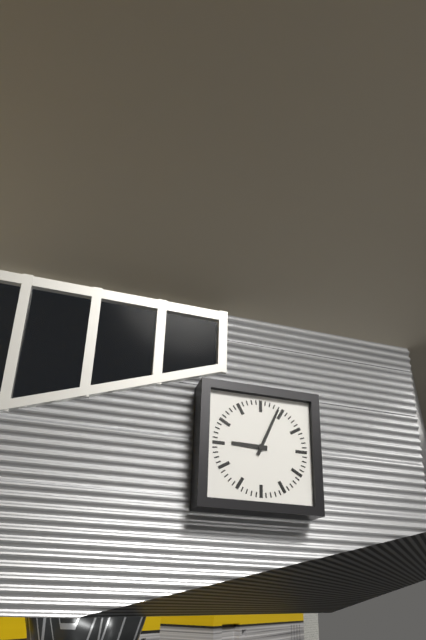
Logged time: 9:04
